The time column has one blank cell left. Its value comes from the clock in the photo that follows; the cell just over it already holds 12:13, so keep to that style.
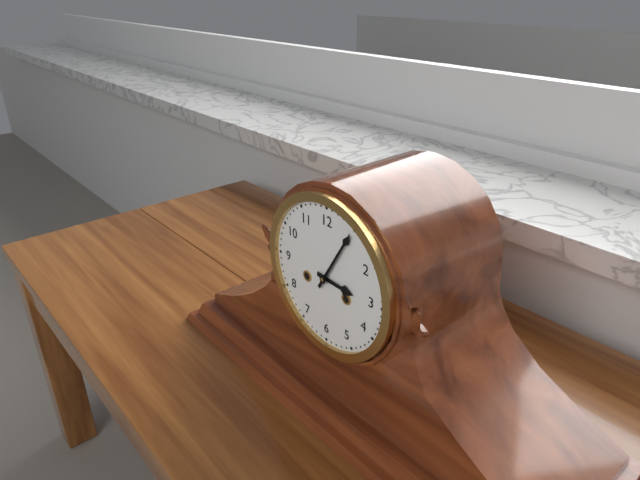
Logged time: 3:05
